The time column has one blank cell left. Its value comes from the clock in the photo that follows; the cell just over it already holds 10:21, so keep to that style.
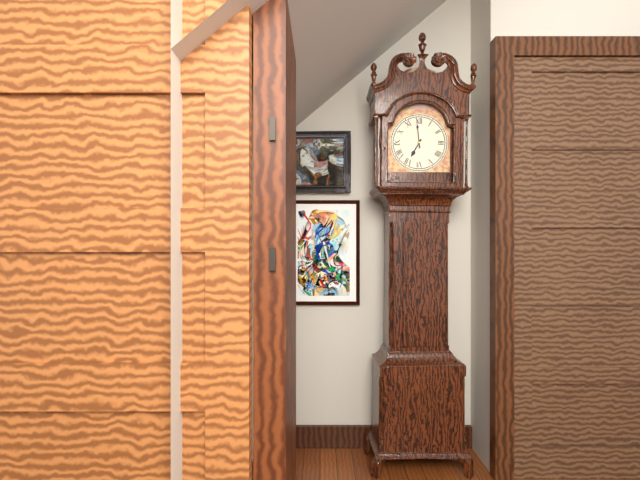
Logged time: 6:59
